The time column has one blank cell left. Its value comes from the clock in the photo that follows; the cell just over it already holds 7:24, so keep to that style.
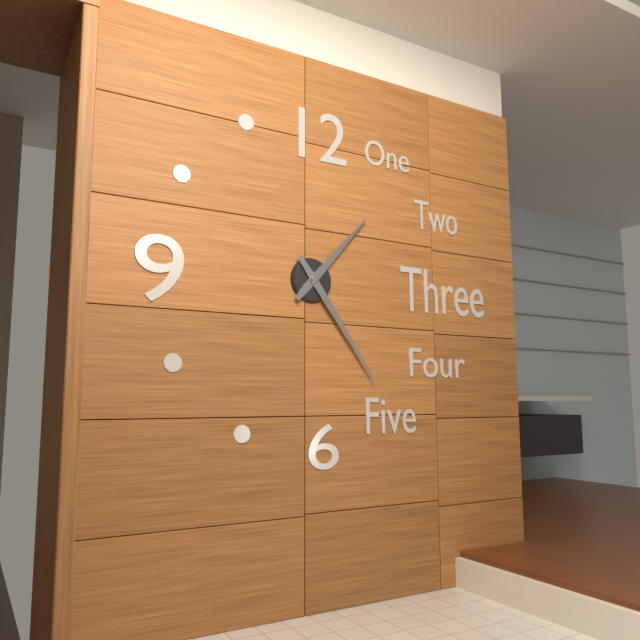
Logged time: 1:24
